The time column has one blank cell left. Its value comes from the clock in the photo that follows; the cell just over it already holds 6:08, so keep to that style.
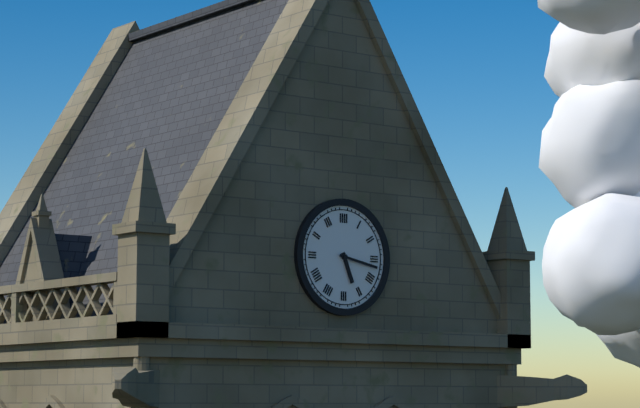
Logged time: 5:17
